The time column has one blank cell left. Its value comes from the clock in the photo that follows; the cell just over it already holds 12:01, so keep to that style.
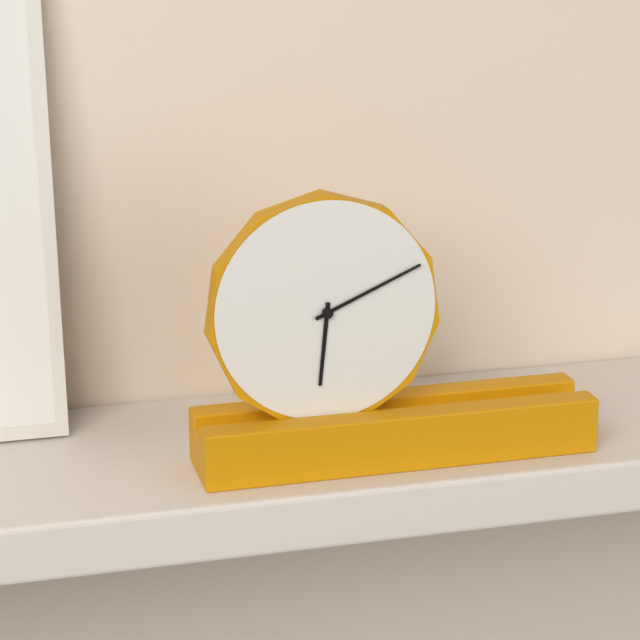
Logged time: 6:11
